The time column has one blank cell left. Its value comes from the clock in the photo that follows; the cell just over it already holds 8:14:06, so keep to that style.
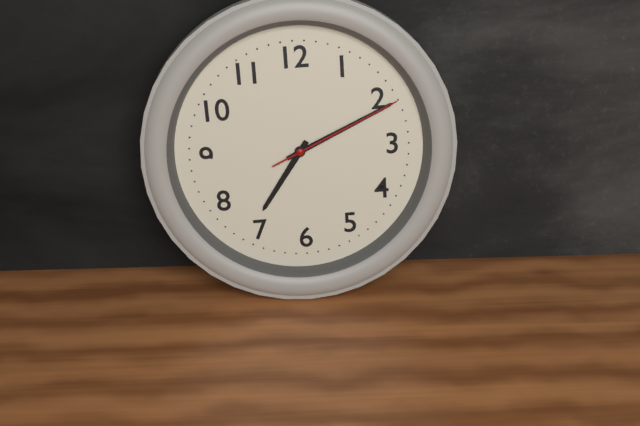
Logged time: 7:11:11
